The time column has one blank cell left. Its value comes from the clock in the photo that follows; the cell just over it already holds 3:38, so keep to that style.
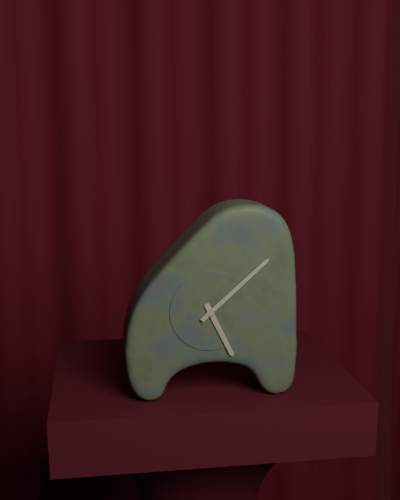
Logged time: 5:08
